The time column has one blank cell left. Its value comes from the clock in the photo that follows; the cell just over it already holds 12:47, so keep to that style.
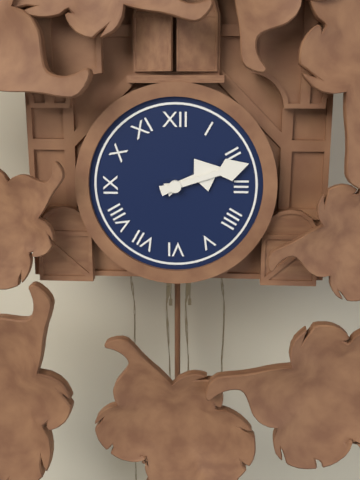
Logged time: 2:12
